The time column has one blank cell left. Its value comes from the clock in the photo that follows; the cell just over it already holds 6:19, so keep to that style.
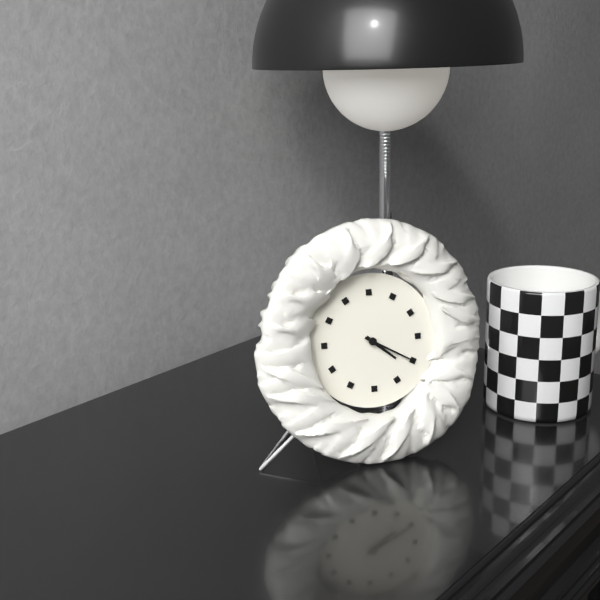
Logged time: 4:20
